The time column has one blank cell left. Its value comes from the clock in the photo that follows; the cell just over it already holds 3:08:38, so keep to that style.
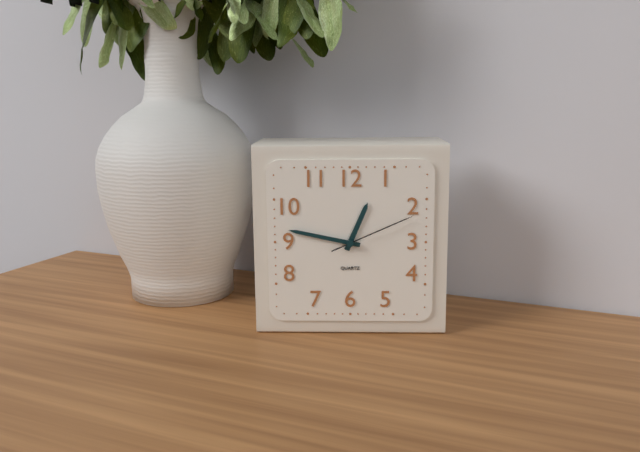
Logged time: 12:47:11
